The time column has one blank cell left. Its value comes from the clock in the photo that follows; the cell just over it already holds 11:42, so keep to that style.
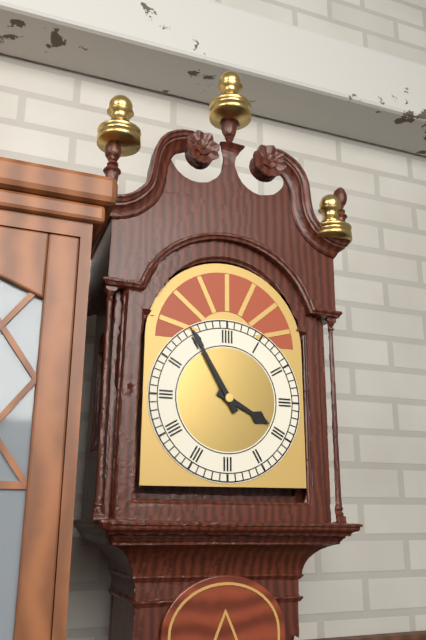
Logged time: 3:55
